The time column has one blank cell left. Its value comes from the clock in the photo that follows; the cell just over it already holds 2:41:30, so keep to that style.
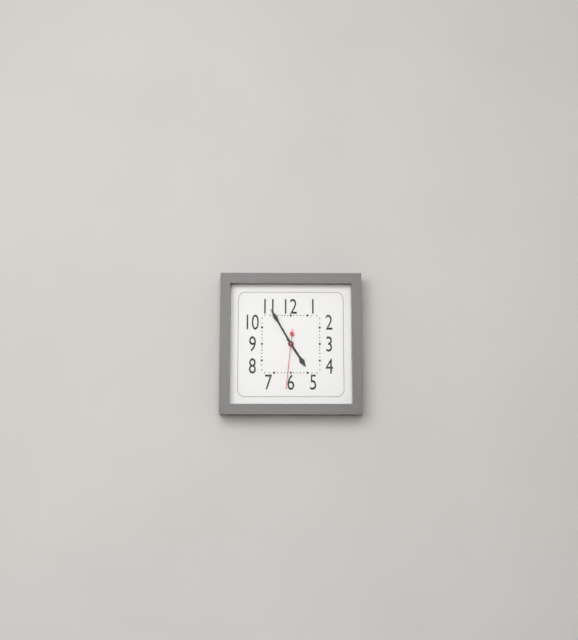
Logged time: 4:55:31
